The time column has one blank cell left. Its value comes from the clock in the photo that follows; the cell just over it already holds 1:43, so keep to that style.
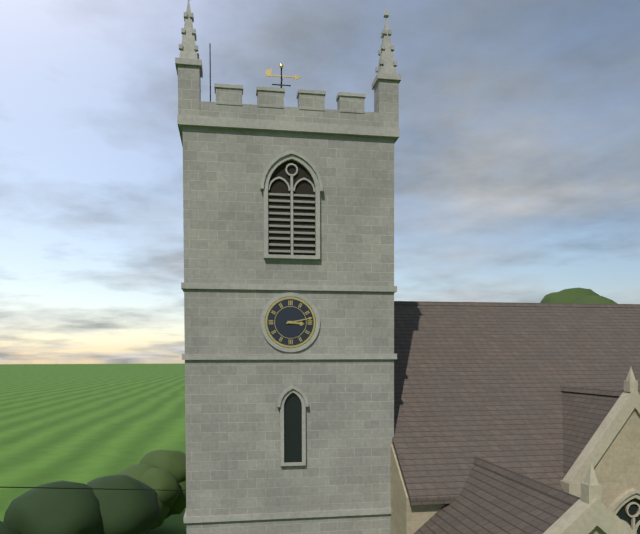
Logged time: 3:13
